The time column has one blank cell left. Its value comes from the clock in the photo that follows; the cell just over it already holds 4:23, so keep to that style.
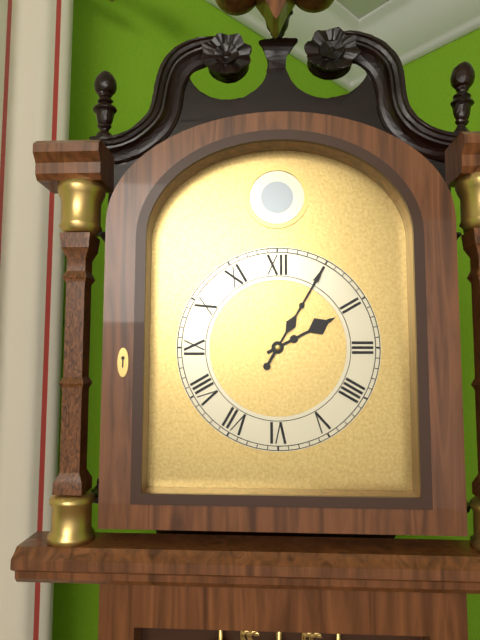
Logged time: 2:05
